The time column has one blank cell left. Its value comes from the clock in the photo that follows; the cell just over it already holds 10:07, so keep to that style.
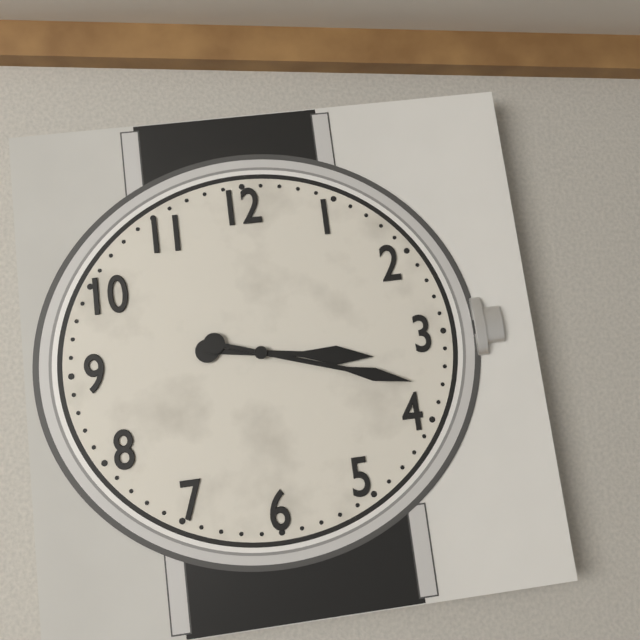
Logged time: 3:18
